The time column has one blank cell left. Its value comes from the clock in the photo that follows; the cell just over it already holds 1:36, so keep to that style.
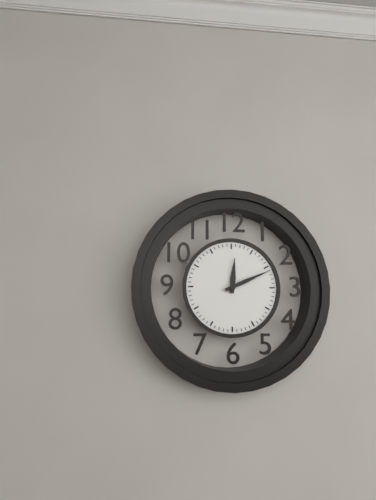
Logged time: 12:11
